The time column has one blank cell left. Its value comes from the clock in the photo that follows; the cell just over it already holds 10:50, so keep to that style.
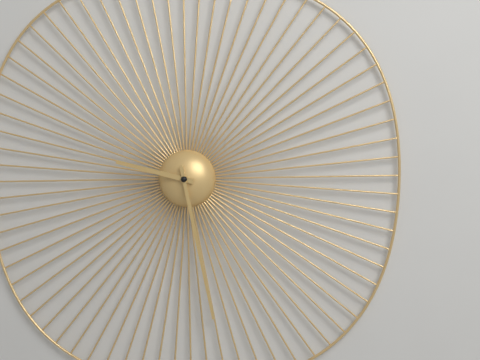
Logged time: 9:28
